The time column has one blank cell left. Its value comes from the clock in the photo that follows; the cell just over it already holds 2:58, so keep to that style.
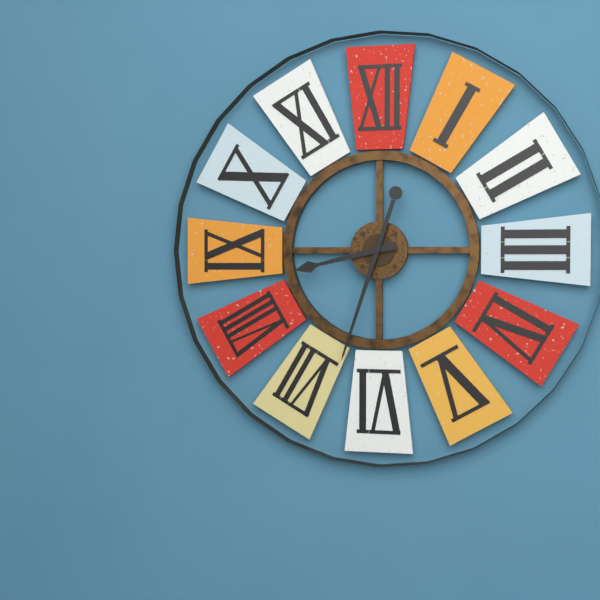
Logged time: 8:33
